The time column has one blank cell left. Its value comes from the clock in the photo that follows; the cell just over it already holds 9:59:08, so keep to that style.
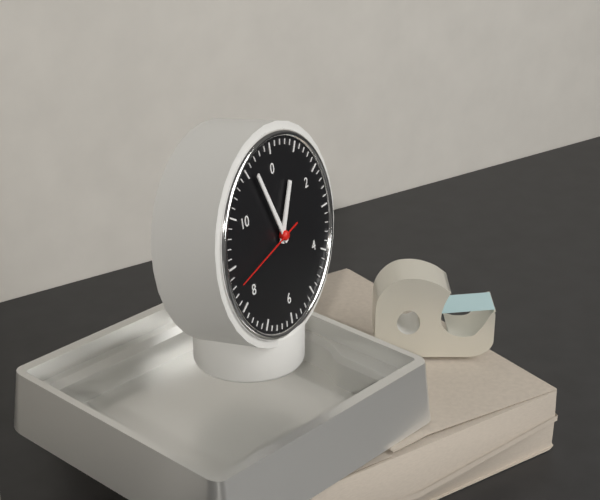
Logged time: 12:56:43
